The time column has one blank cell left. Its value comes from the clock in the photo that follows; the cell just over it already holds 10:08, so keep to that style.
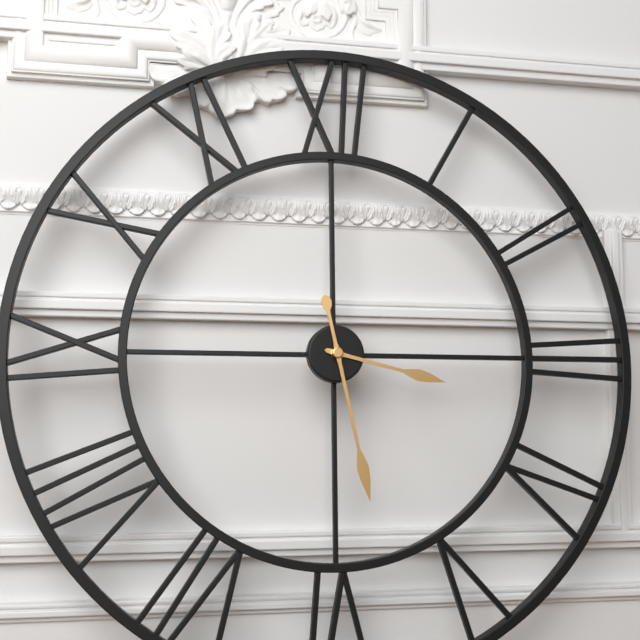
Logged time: 3:28
